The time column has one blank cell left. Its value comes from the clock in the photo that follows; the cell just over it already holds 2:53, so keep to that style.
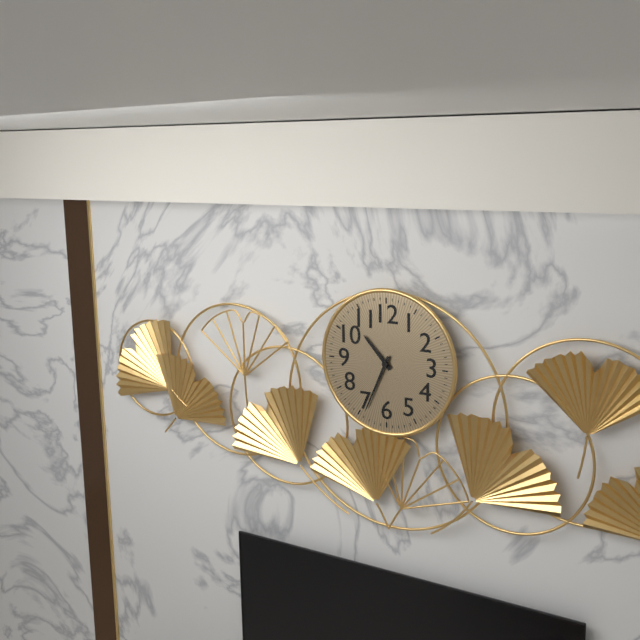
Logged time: 10:34
